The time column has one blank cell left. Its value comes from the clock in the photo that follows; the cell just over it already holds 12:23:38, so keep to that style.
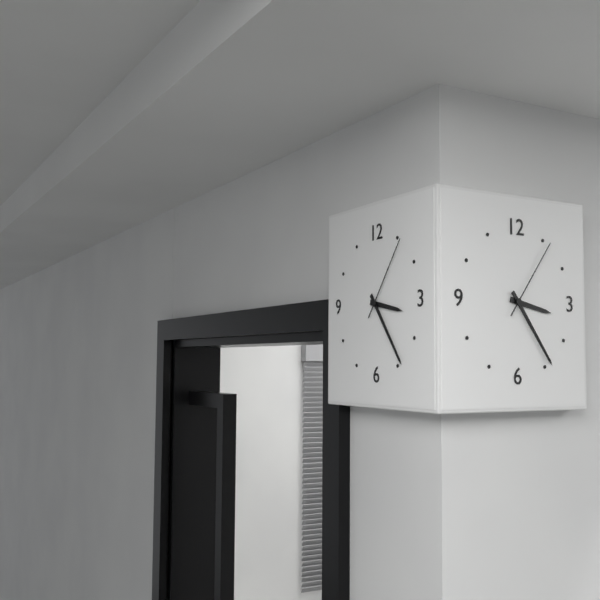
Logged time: 3:24:06
